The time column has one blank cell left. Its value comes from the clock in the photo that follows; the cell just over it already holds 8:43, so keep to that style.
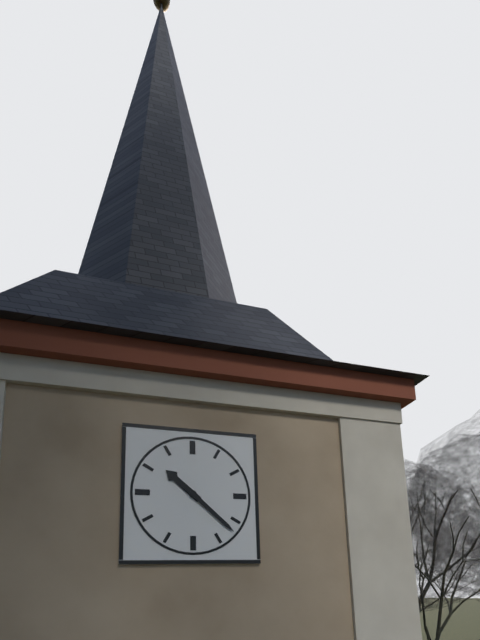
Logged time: 10:22
